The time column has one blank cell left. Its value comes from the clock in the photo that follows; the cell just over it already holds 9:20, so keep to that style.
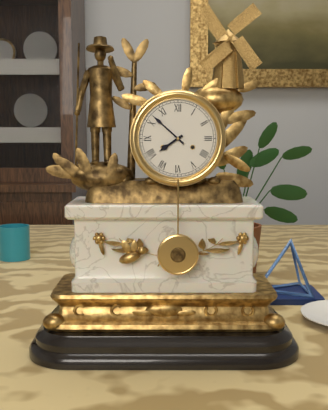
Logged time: 7:52
